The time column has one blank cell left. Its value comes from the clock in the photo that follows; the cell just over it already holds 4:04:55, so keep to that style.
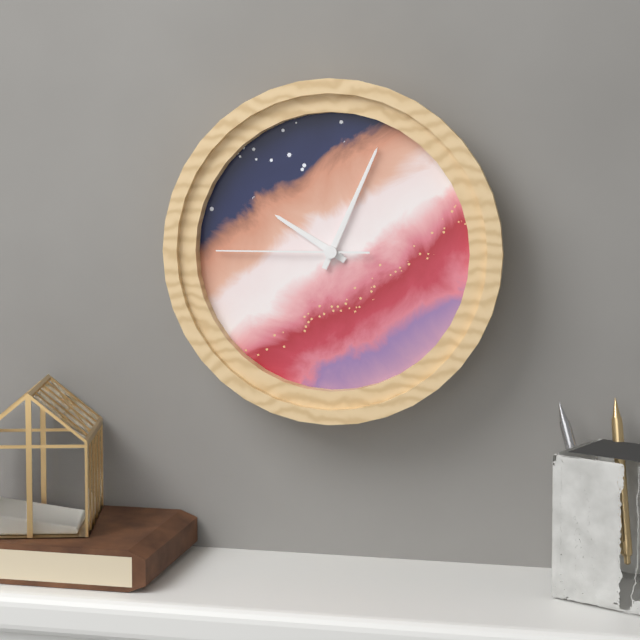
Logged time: 10:04:45
